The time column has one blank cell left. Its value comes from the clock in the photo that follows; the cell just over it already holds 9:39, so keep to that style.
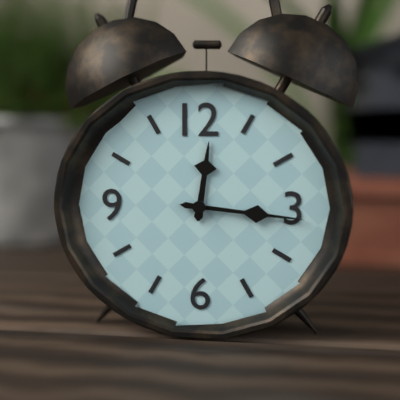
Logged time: 12:16
